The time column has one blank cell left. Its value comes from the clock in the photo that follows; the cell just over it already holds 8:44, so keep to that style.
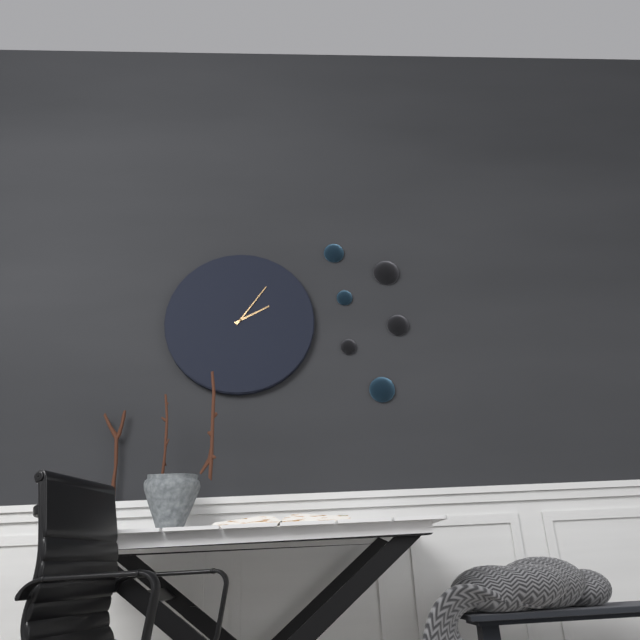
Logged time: 2:06
